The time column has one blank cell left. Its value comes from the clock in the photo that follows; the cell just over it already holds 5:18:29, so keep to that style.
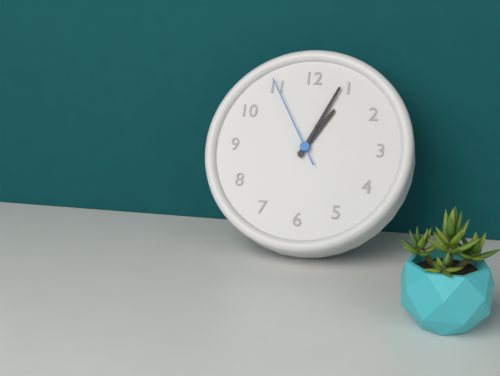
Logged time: 1:04:55
